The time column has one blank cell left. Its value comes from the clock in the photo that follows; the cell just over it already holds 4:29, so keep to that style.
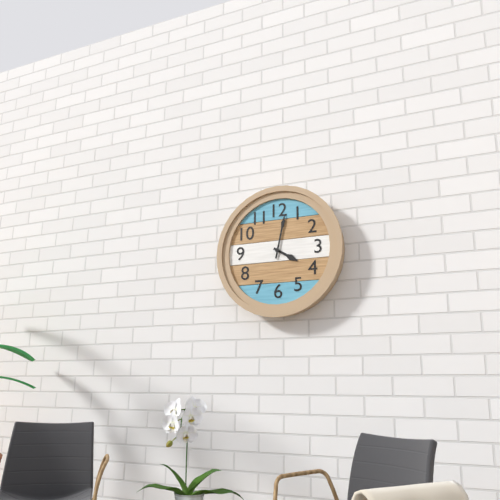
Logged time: 4:02
